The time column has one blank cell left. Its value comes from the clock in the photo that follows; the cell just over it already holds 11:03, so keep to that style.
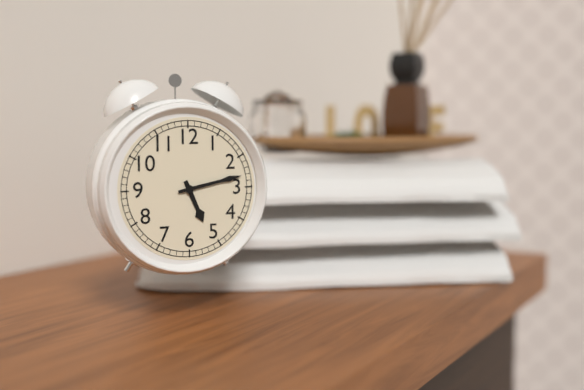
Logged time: 5:13
